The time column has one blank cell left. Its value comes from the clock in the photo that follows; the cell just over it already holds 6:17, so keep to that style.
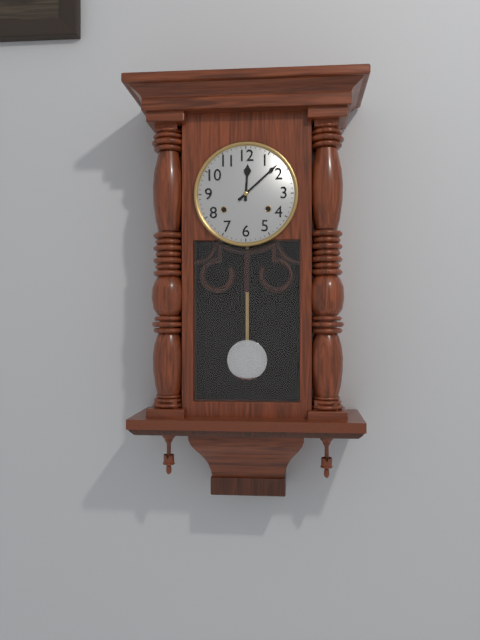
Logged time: 12:08
